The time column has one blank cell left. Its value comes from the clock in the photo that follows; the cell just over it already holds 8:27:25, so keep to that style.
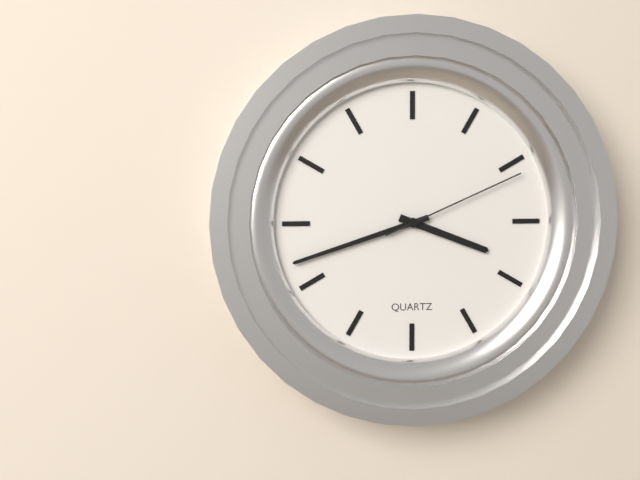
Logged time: 3:42:11
